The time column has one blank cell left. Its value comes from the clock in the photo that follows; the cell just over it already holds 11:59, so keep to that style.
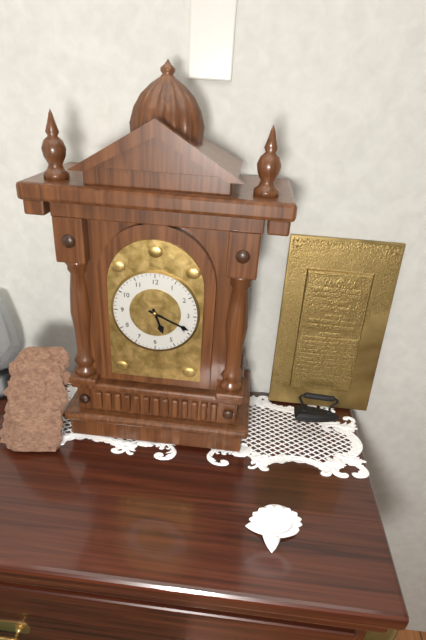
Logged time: 5:19
